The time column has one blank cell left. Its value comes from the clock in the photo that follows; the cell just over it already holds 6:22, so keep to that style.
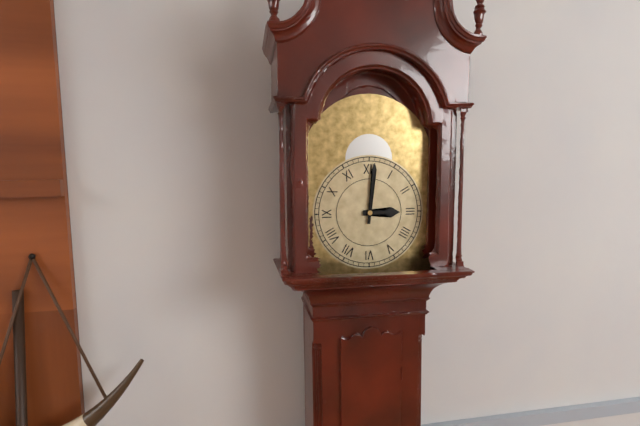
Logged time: 3:01
